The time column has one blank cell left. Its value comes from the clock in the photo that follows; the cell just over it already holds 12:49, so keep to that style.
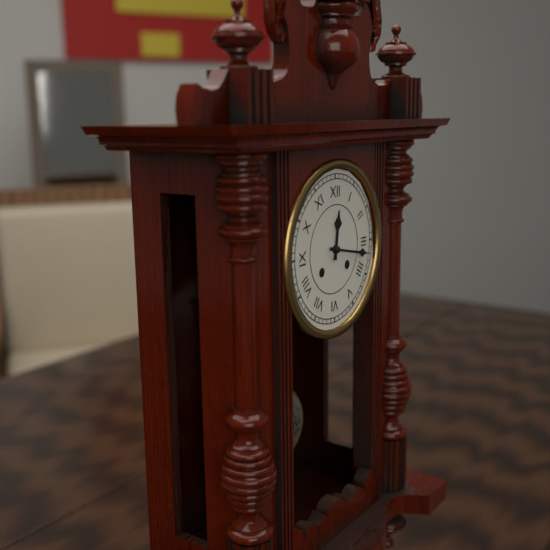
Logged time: 12:17
